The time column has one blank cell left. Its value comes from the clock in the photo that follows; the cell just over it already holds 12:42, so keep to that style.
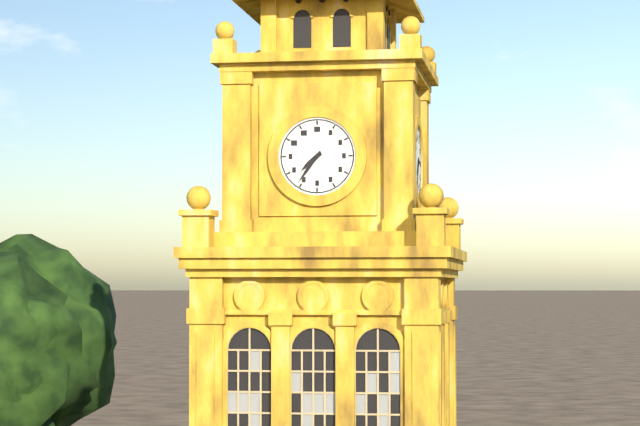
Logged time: 7:36
